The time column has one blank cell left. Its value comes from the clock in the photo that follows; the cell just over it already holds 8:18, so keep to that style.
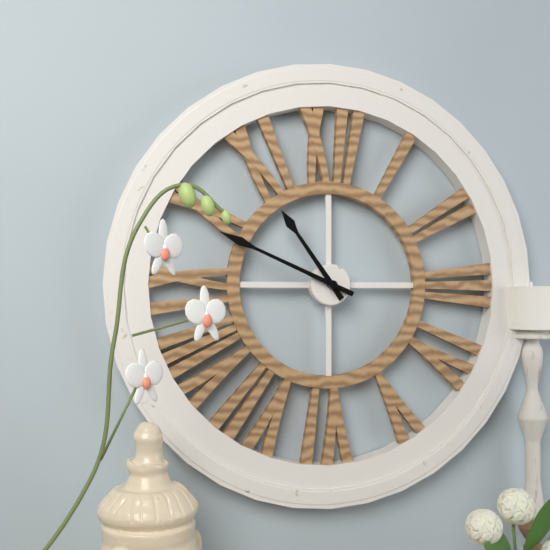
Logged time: 10:49
